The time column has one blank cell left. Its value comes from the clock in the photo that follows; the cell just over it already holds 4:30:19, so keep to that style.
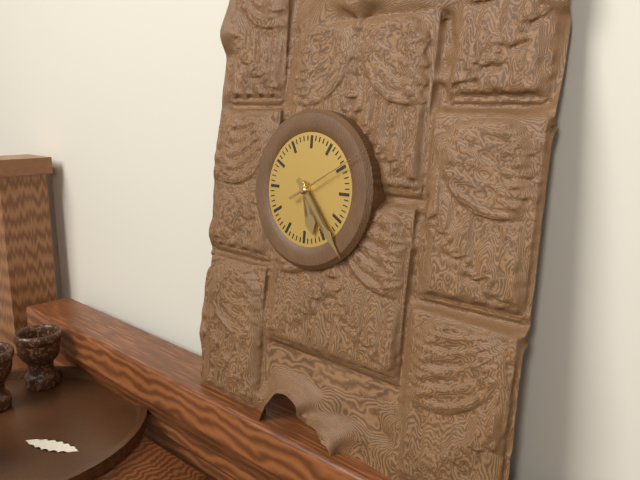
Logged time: 5:23:10
